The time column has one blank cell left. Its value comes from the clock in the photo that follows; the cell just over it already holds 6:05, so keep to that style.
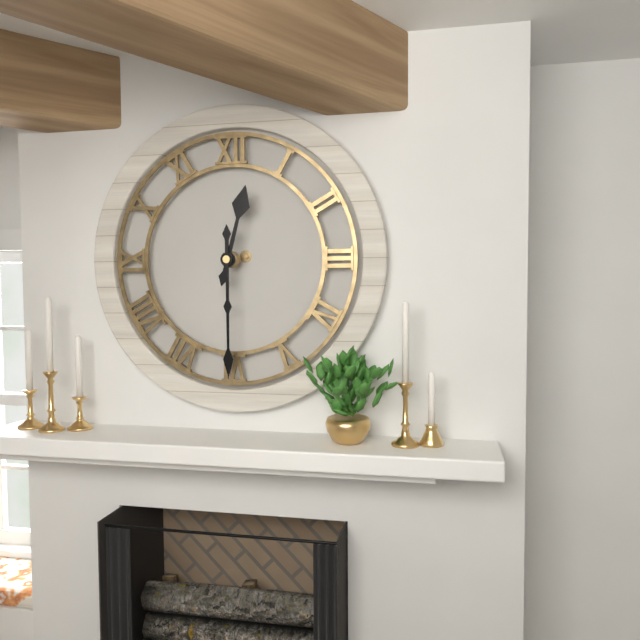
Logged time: 12:30
